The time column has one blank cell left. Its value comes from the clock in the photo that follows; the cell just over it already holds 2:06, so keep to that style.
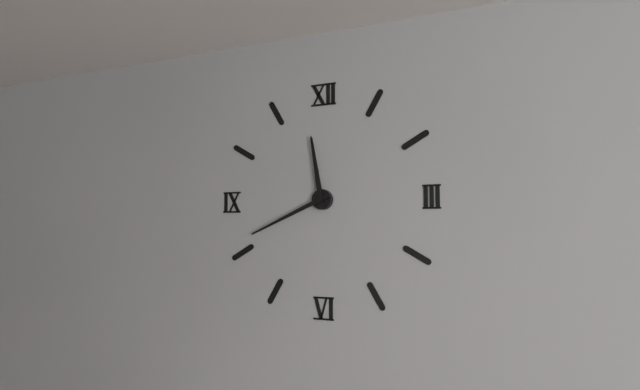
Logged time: 11:41
